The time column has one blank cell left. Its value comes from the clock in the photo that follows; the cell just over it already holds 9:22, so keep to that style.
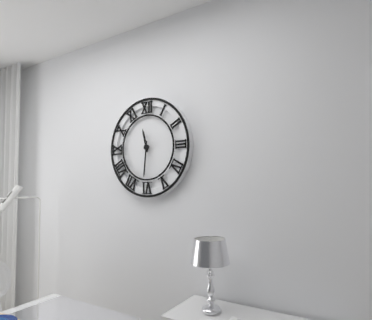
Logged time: 11:31
